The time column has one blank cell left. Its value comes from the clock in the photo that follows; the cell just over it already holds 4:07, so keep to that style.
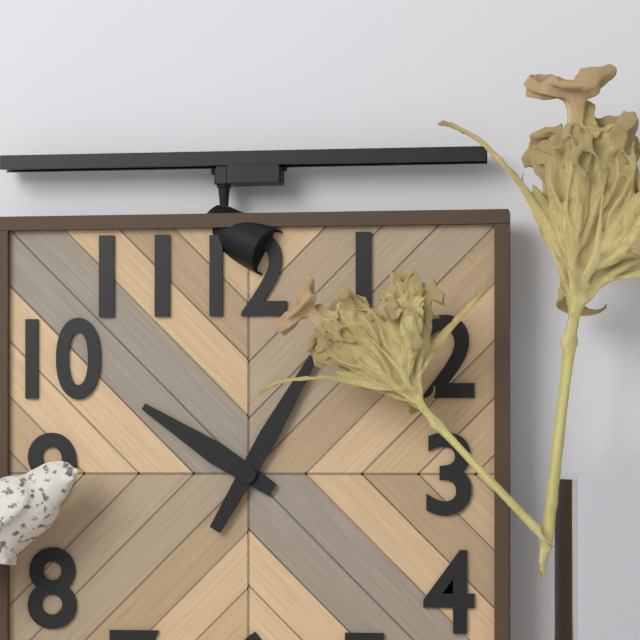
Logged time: 10:05
